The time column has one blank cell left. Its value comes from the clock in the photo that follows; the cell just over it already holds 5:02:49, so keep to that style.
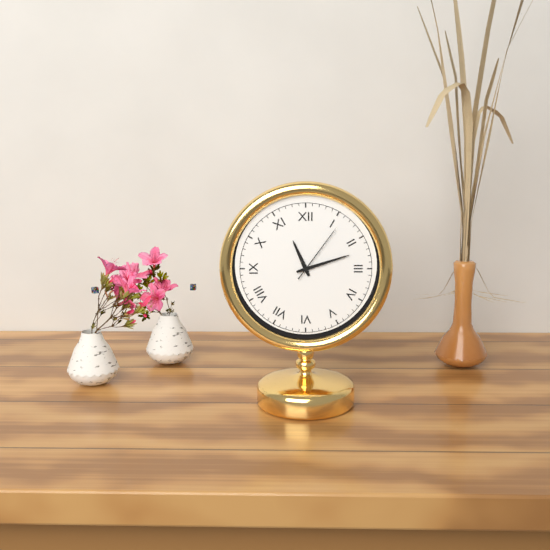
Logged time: 11:12:06
